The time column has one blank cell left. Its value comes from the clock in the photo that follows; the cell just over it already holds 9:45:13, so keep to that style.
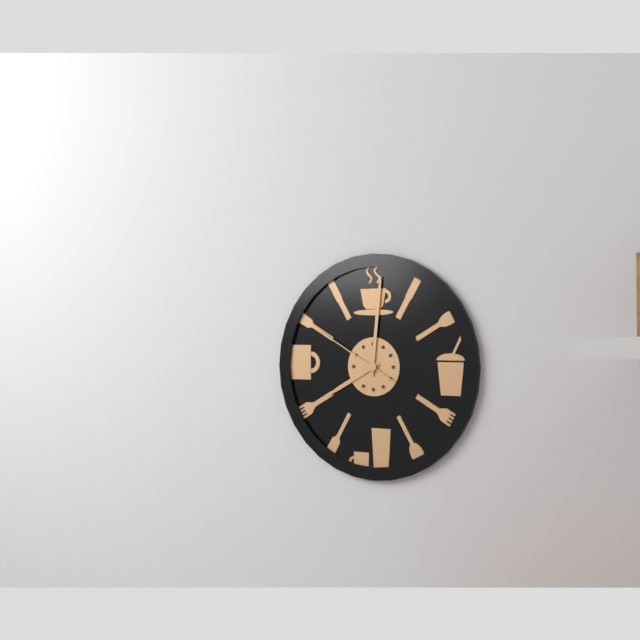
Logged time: 8:01:50
